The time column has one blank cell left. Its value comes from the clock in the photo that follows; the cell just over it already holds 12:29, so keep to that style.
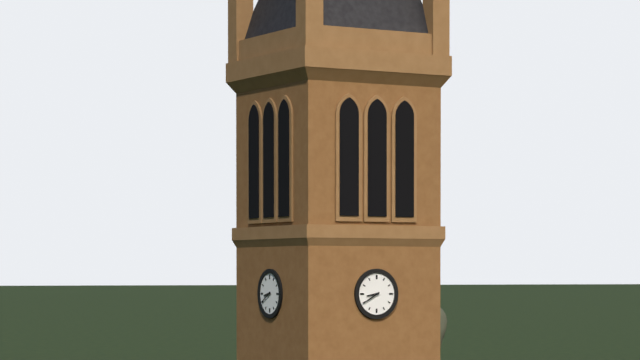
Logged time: 8:40
